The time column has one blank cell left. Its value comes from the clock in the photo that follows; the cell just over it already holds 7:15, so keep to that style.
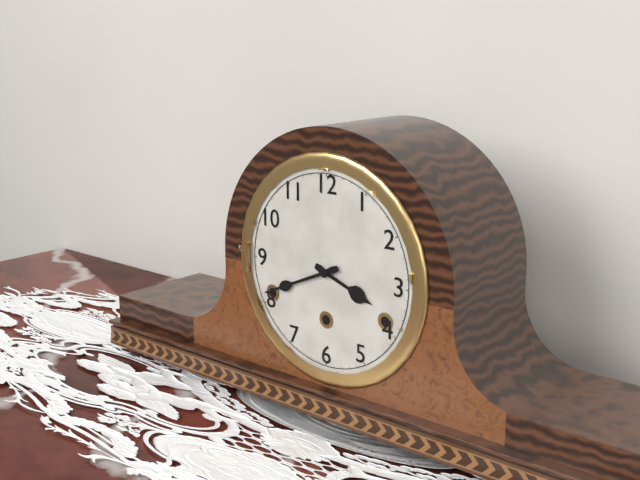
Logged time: 3:41
